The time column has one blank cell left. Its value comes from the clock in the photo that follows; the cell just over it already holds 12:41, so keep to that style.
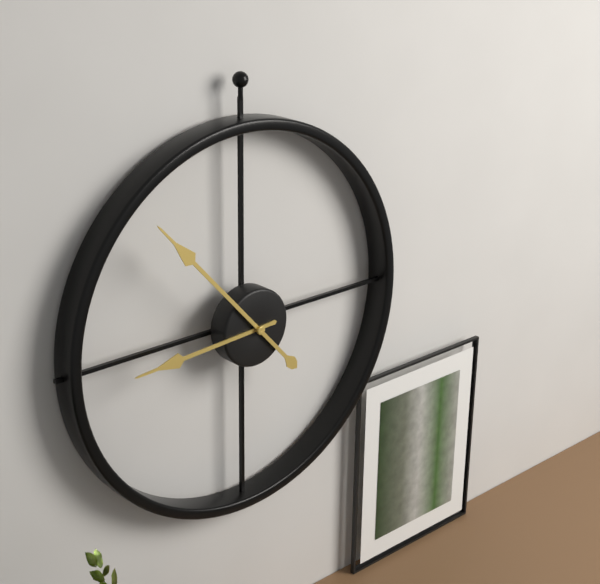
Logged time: 8:53
